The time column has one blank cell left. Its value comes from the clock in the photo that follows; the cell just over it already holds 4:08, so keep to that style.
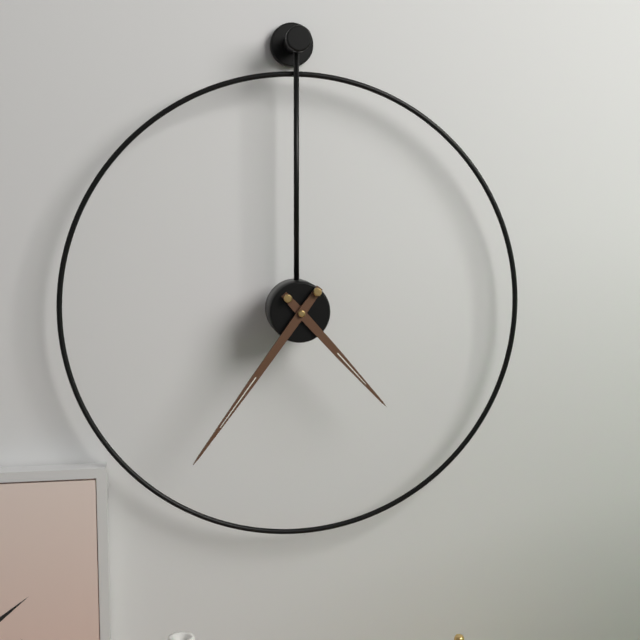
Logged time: 4:36
